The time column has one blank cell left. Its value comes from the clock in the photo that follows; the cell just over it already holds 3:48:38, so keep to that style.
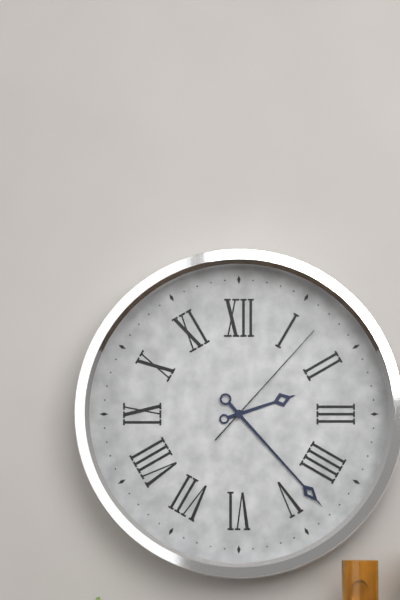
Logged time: 2:23:07
